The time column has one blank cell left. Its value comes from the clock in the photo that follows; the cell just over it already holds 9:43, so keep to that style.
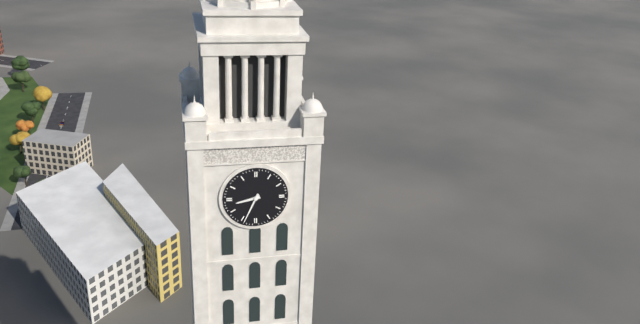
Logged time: 8:34
